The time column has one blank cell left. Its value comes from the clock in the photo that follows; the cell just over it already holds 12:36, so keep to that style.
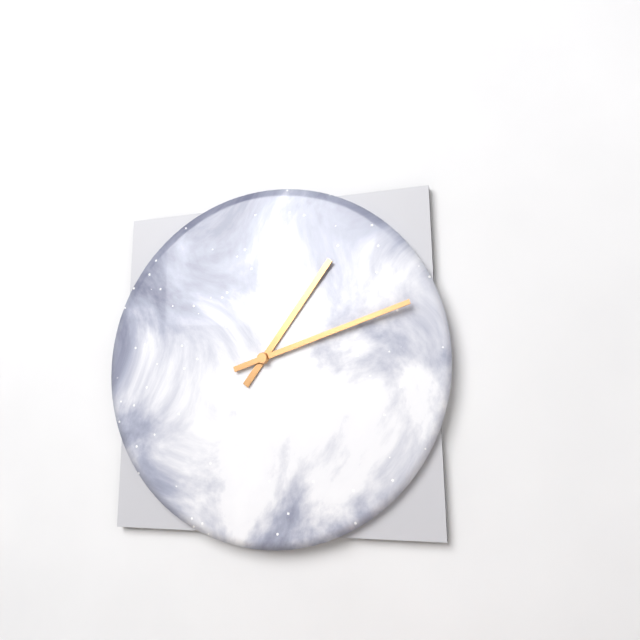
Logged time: 1:12
